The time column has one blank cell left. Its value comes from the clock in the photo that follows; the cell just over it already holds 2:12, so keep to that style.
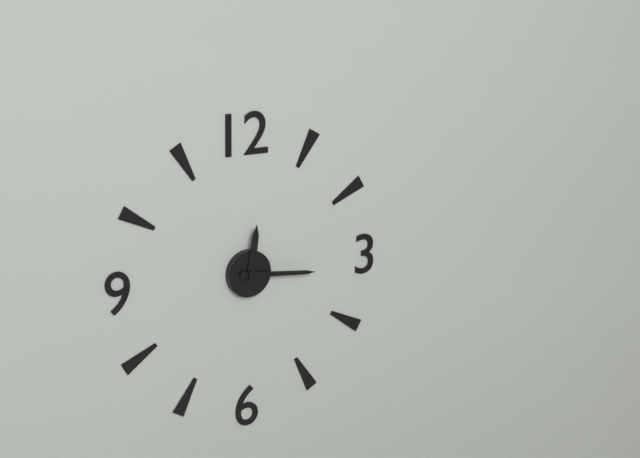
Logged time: 12:16
